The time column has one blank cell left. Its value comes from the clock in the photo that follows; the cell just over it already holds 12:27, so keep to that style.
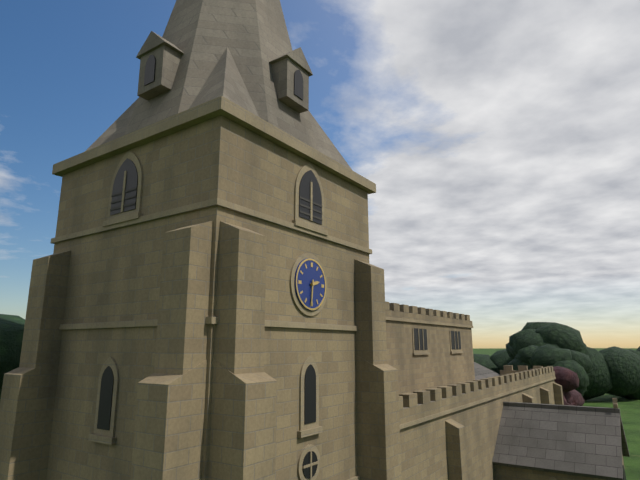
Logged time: 2:31
